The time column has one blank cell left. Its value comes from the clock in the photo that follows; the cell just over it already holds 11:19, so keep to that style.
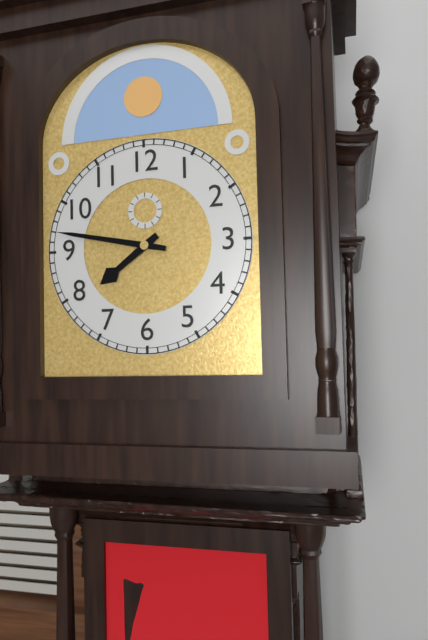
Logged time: 7:47
